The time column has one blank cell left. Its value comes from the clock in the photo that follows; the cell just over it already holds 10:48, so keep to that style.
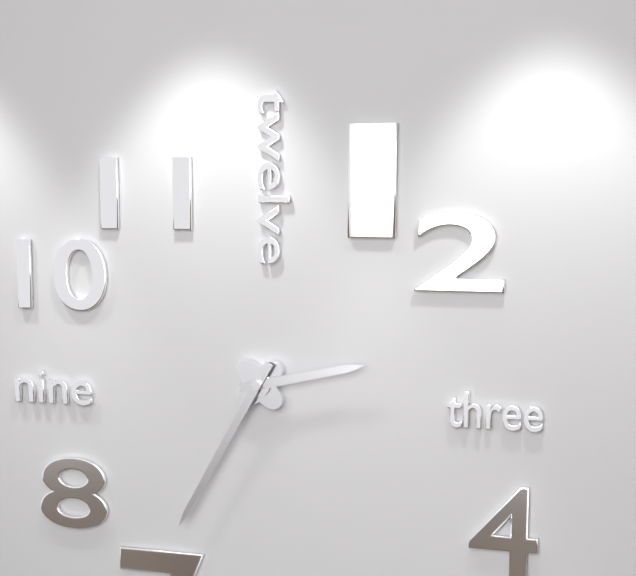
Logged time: 2:35
